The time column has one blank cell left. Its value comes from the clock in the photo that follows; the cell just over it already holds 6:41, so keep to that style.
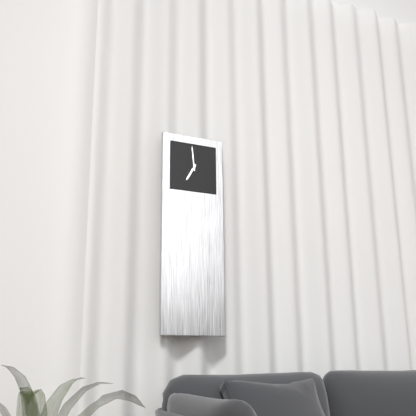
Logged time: 6:59
